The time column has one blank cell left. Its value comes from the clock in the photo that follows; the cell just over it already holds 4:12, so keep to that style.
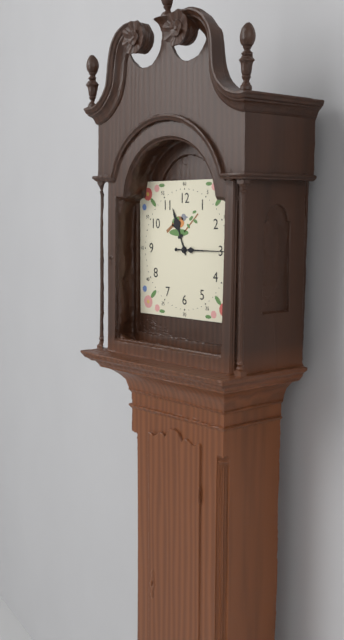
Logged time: 11:15
